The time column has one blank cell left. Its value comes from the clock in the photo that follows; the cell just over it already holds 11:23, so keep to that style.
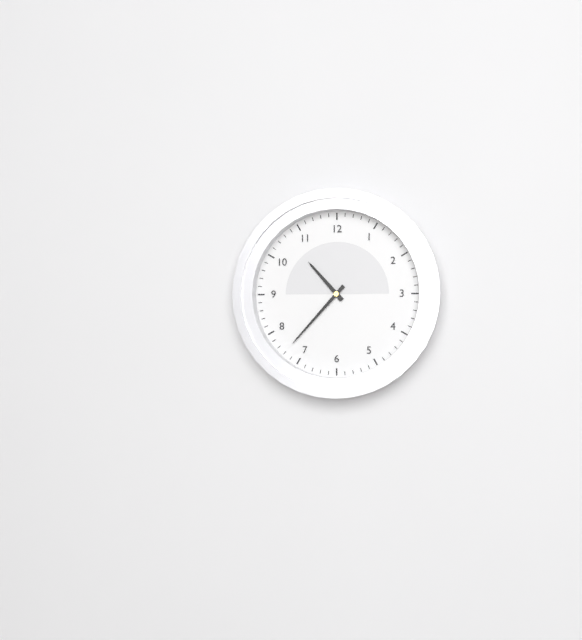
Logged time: 10:37
